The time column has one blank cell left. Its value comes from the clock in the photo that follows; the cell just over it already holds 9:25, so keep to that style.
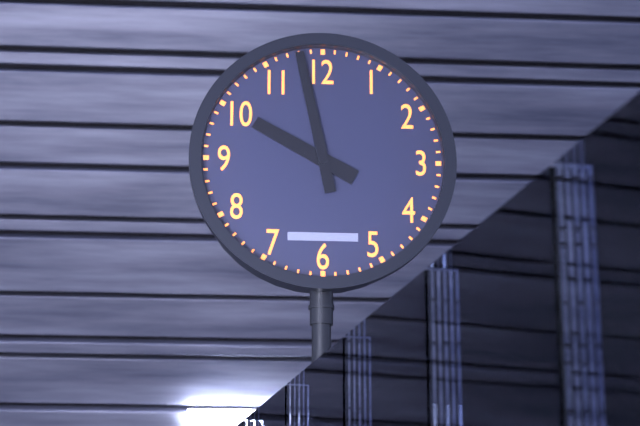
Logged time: 9:58
